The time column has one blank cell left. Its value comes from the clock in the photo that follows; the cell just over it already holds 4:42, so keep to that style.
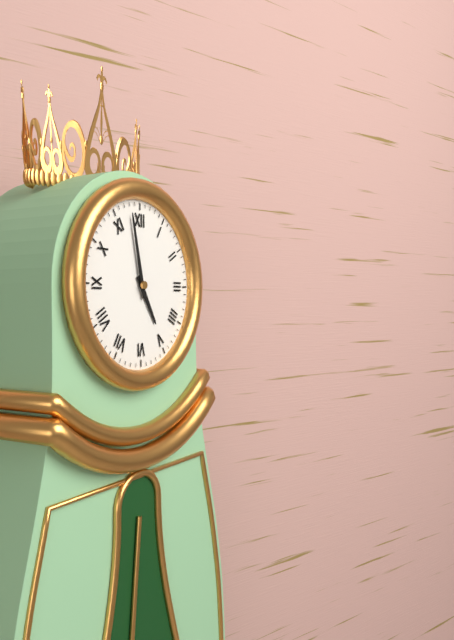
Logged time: 4:58
